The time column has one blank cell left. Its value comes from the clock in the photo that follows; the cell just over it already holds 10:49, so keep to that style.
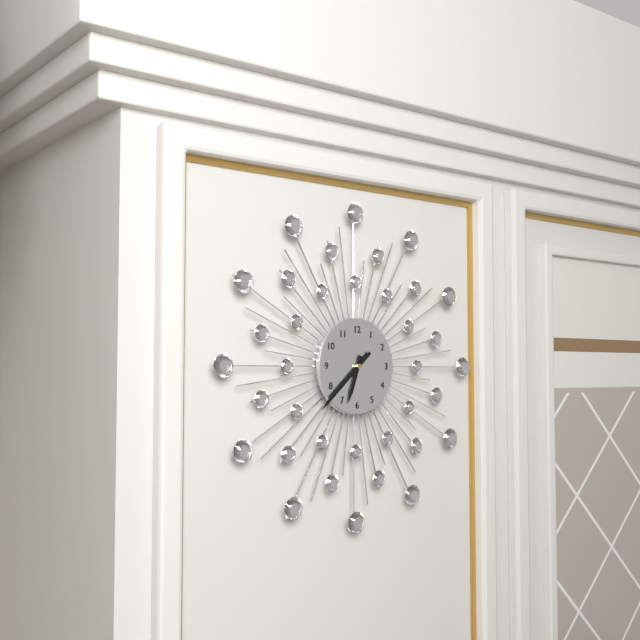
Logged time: 6:38
